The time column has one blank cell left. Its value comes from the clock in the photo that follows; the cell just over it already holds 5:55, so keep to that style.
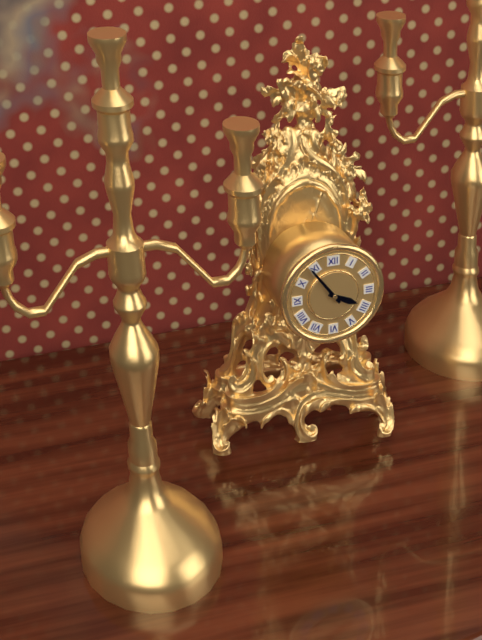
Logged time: 3:54
